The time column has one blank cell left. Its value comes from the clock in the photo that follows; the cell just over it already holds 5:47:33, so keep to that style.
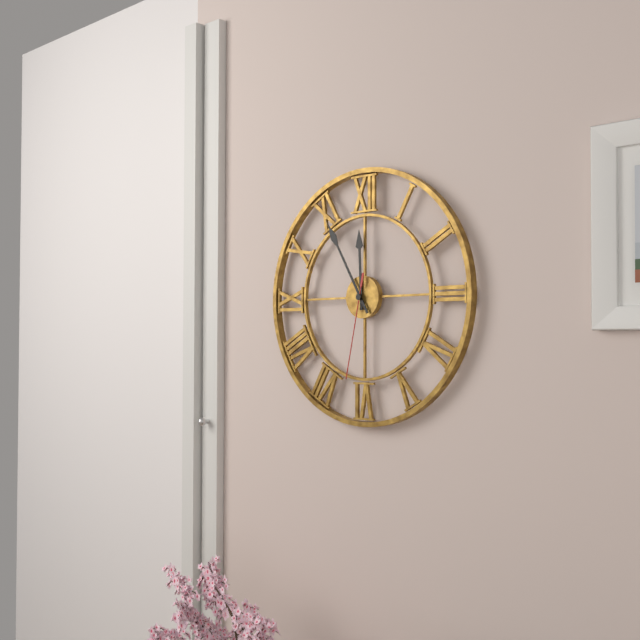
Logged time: 11:55:32
